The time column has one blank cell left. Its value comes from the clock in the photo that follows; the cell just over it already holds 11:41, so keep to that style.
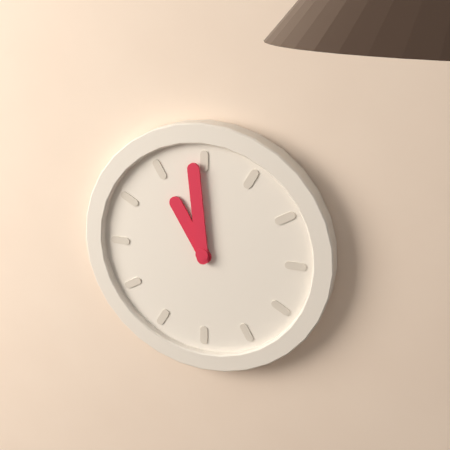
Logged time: 10:59
